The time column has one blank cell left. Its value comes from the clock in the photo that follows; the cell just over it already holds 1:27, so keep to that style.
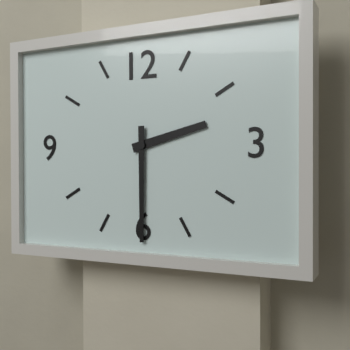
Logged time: 2:30
